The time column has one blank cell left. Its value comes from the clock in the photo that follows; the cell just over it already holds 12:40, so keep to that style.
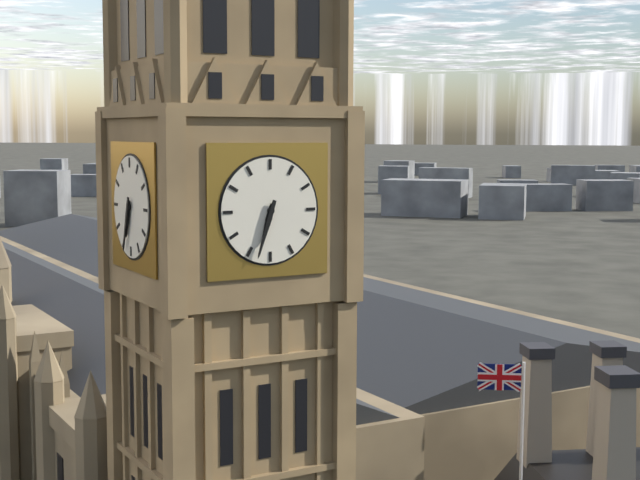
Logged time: 6:33
